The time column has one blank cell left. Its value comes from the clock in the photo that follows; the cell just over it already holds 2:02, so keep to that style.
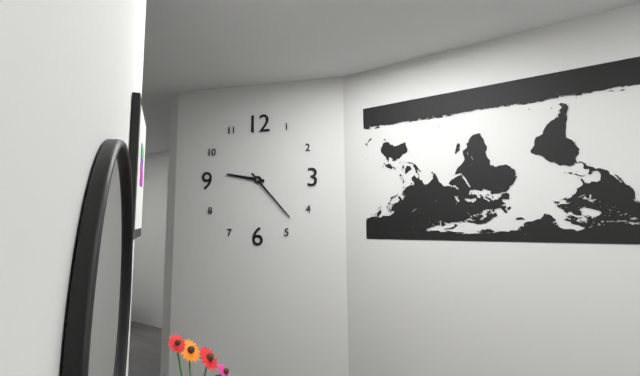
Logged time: 9:23
